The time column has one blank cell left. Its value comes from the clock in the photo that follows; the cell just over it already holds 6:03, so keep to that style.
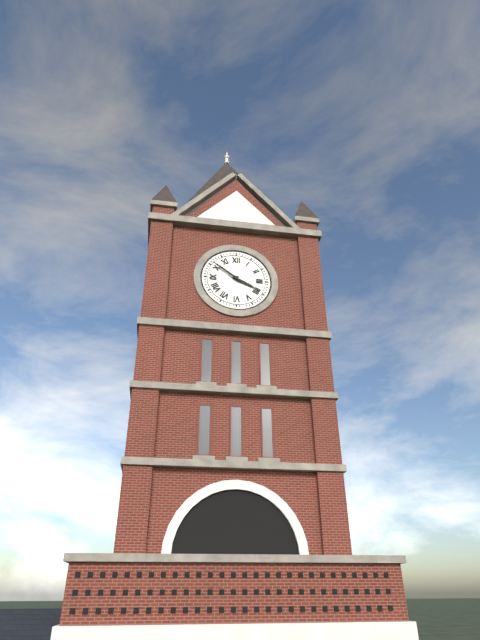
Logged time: 3:51
